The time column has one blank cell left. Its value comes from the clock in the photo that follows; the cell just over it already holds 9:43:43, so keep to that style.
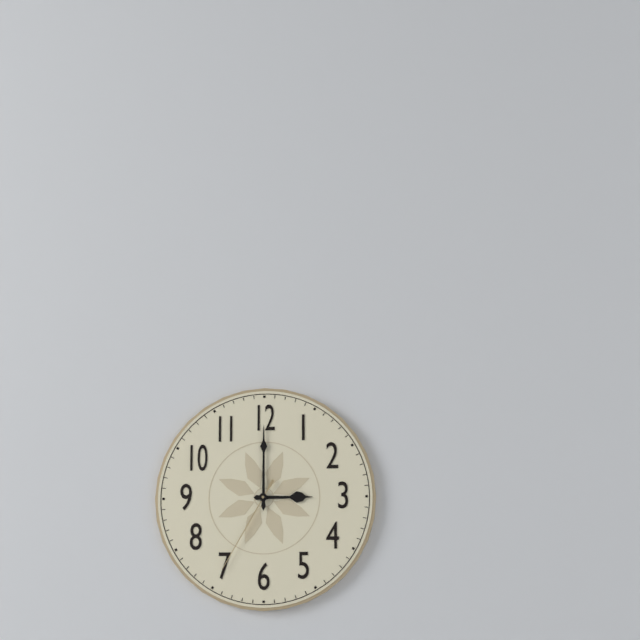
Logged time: 3:00:35
